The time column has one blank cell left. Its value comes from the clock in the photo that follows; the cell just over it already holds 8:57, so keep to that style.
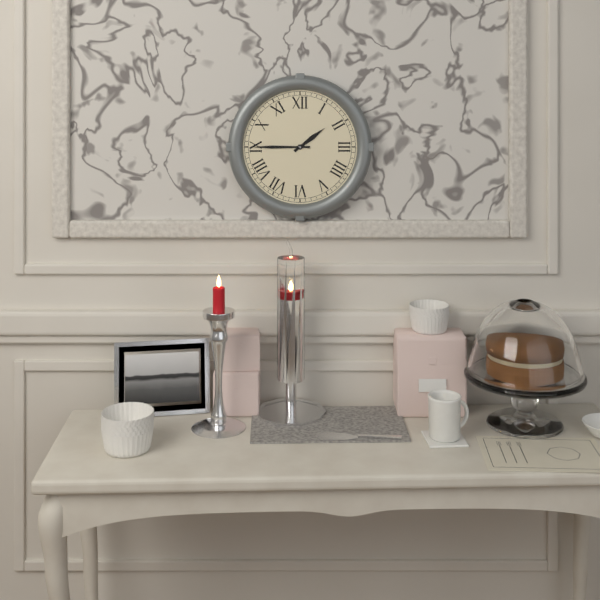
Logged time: 1:45
